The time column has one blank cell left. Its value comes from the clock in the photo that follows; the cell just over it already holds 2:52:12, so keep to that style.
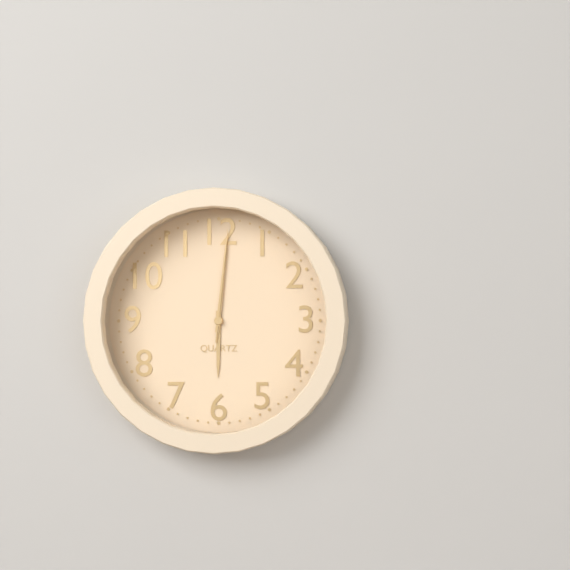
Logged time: 6:01:01
